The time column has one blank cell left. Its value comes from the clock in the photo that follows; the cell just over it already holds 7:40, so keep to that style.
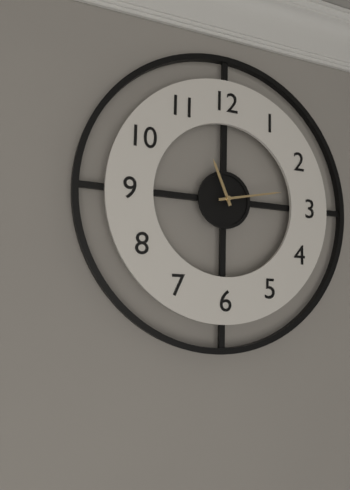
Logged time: 11:13
